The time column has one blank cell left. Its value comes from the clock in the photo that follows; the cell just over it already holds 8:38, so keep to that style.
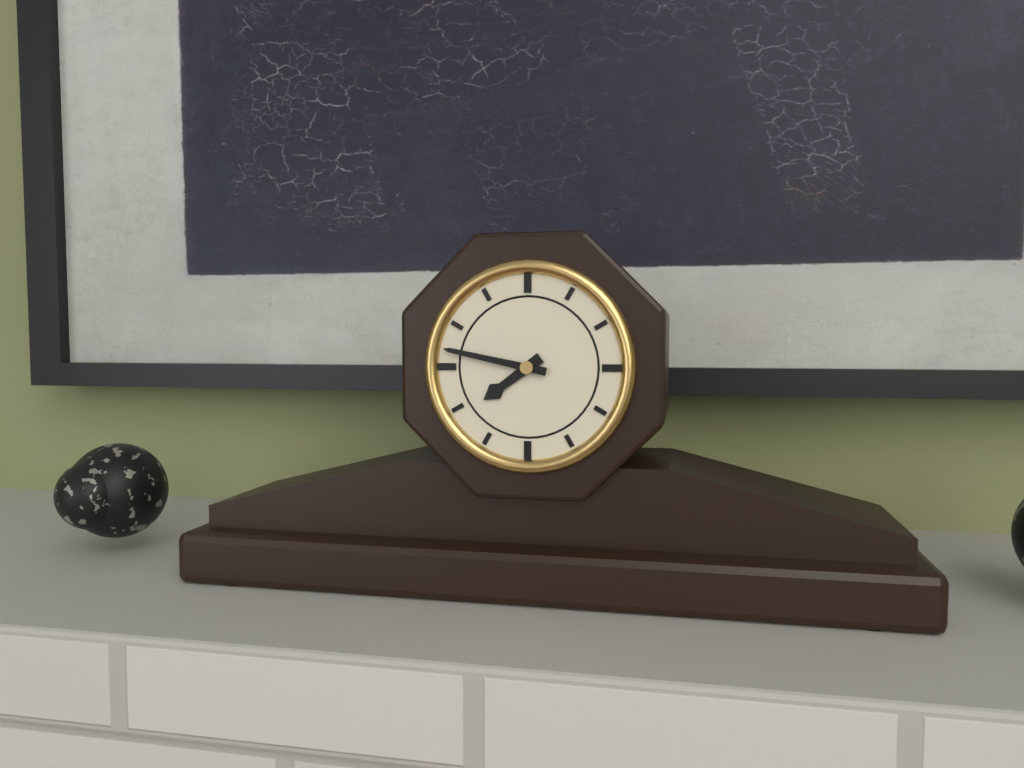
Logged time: 7:47
